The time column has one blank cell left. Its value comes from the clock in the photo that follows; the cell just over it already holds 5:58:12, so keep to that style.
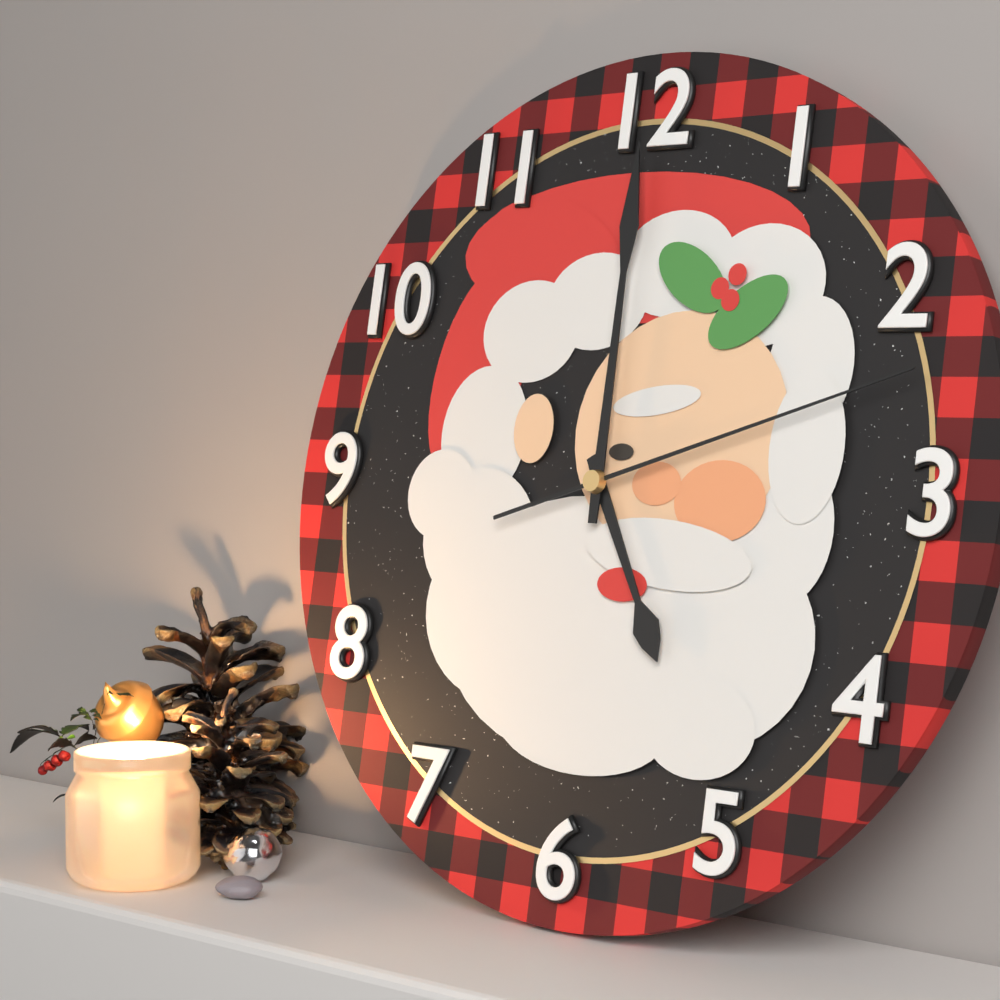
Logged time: 5:00:12
